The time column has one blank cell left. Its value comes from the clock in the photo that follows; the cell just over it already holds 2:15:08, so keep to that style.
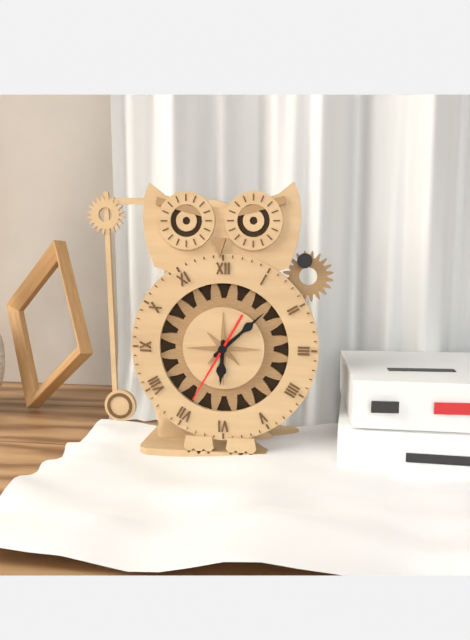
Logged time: 6:08:35
